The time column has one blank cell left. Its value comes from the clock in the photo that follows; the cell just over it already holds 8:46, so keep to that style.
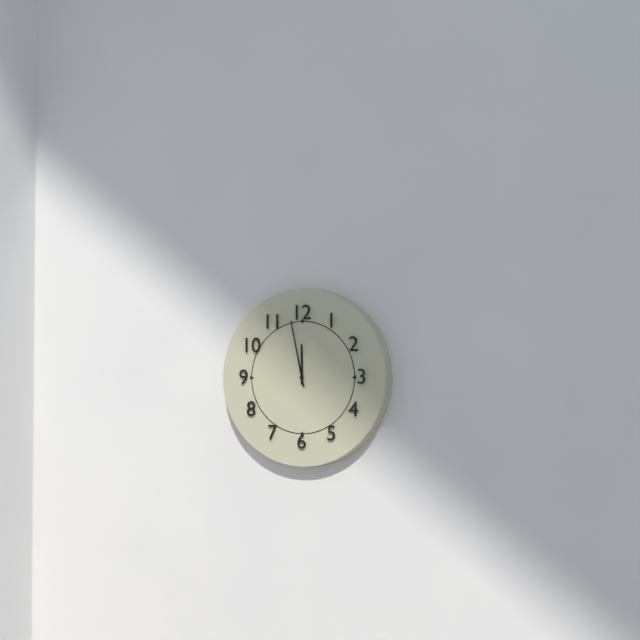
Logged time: 11:58
